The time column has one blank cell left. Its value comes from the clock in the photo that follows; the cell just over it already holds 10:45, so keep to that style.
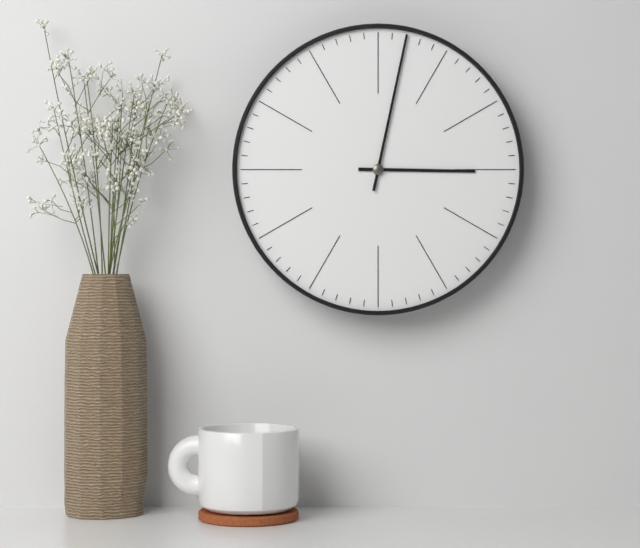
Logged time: 3:02
